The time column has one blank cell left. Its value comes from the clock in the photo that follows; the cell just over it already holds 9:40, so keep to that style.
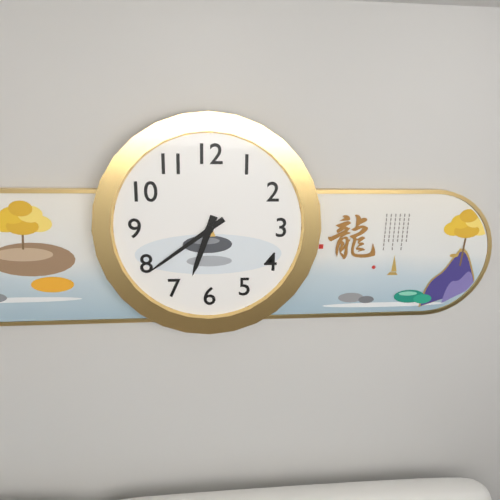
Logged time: 6:39
